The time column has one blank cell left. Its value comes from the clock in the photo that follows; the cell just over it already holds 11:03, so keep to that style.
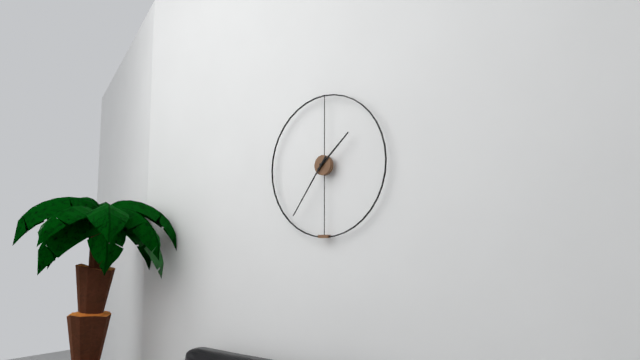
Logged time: 1:36
